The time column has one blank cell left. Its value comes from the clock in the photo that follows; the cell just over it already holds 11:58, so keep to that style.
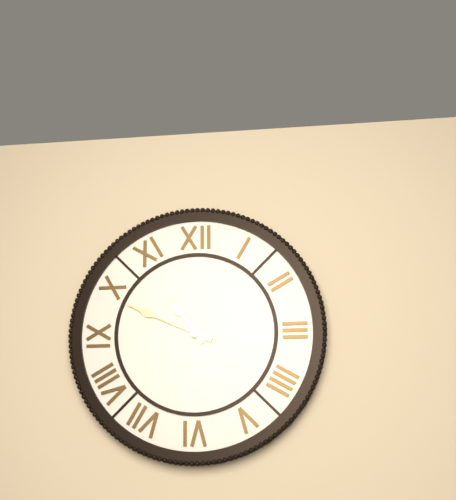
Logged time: 10:49
